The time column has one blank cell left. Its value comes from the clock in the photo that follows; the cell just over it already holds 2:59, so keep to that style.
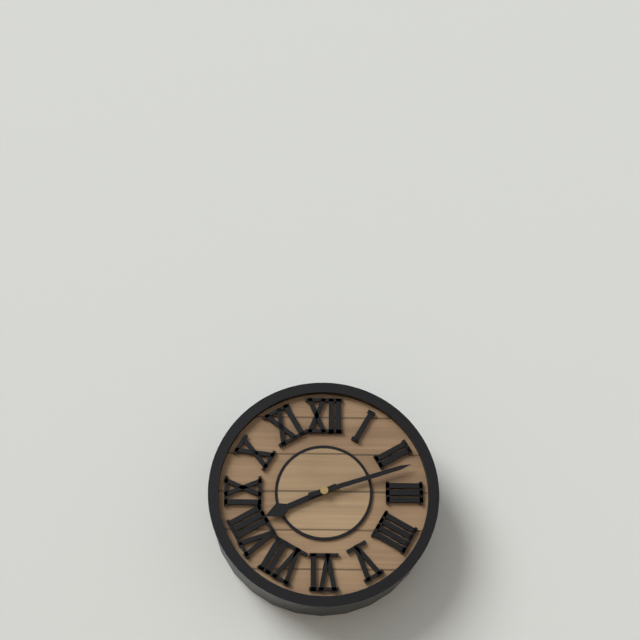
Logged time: 8:12
